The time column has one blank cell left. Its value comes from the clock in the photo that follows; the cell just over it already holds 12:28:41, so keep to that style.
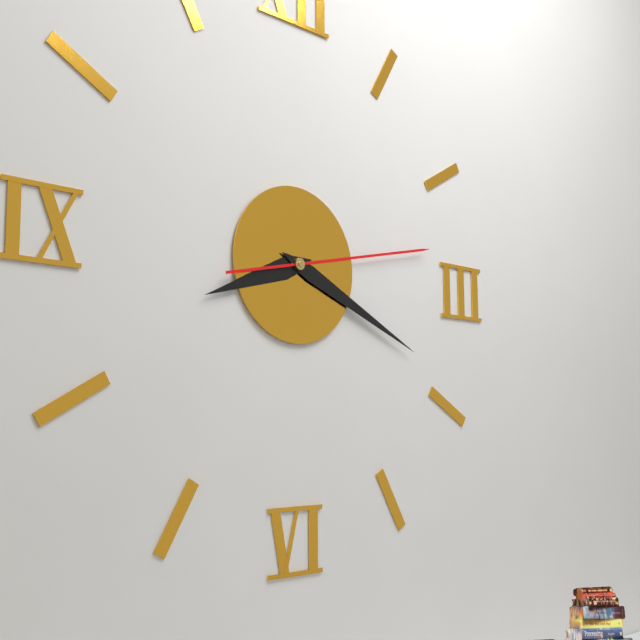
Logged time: 8:19:13
